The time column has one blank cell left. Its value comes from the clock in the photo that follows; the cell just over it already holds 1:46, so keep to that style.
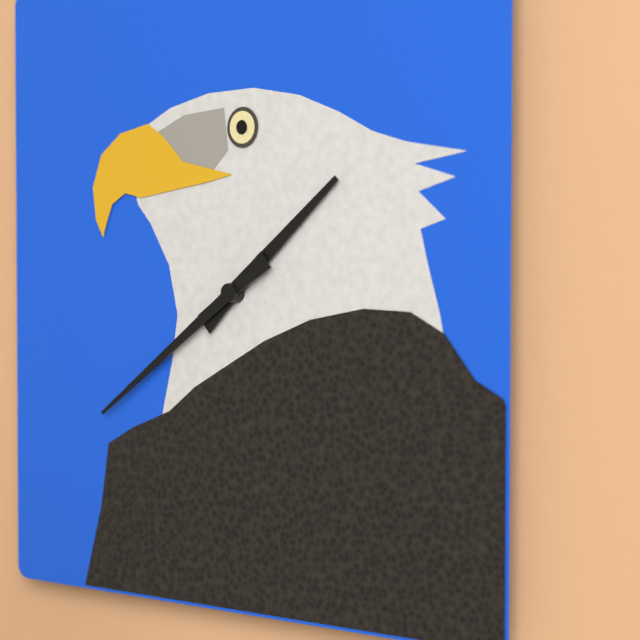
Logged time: 1:39
